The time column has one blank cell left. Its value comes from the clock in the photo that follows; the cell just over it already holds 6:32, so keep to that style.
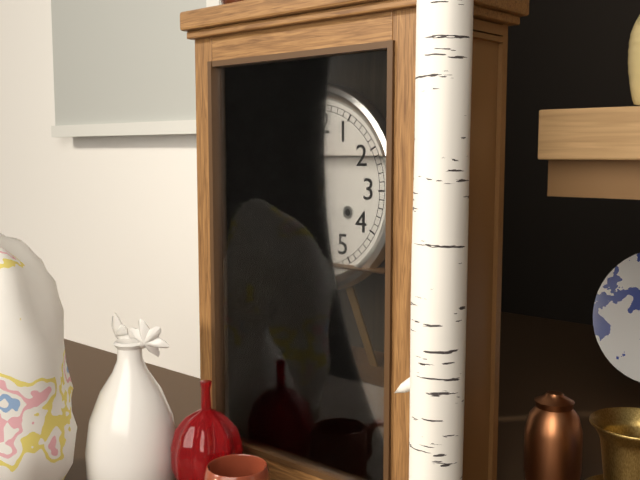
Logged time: 7:35
